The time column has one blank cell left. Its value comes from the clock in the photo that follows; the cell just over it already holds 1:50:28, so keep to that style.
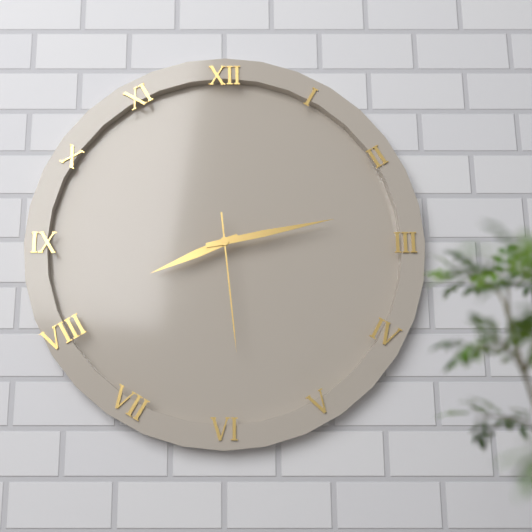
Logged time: 8:13:29
